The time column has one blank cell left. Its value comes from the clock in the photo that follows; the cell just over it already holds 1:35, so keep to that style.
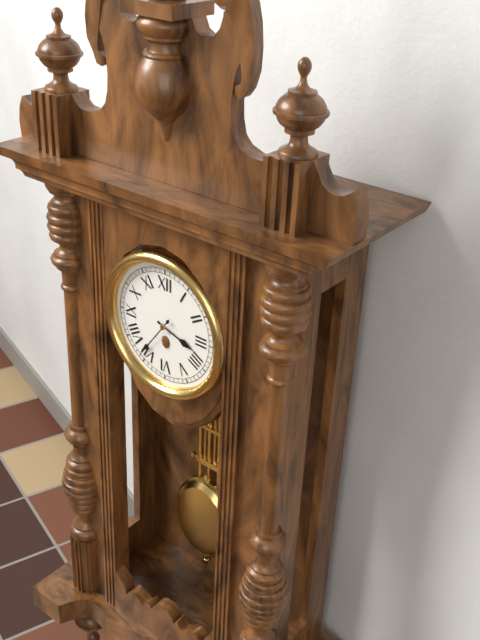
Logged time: 3:36
